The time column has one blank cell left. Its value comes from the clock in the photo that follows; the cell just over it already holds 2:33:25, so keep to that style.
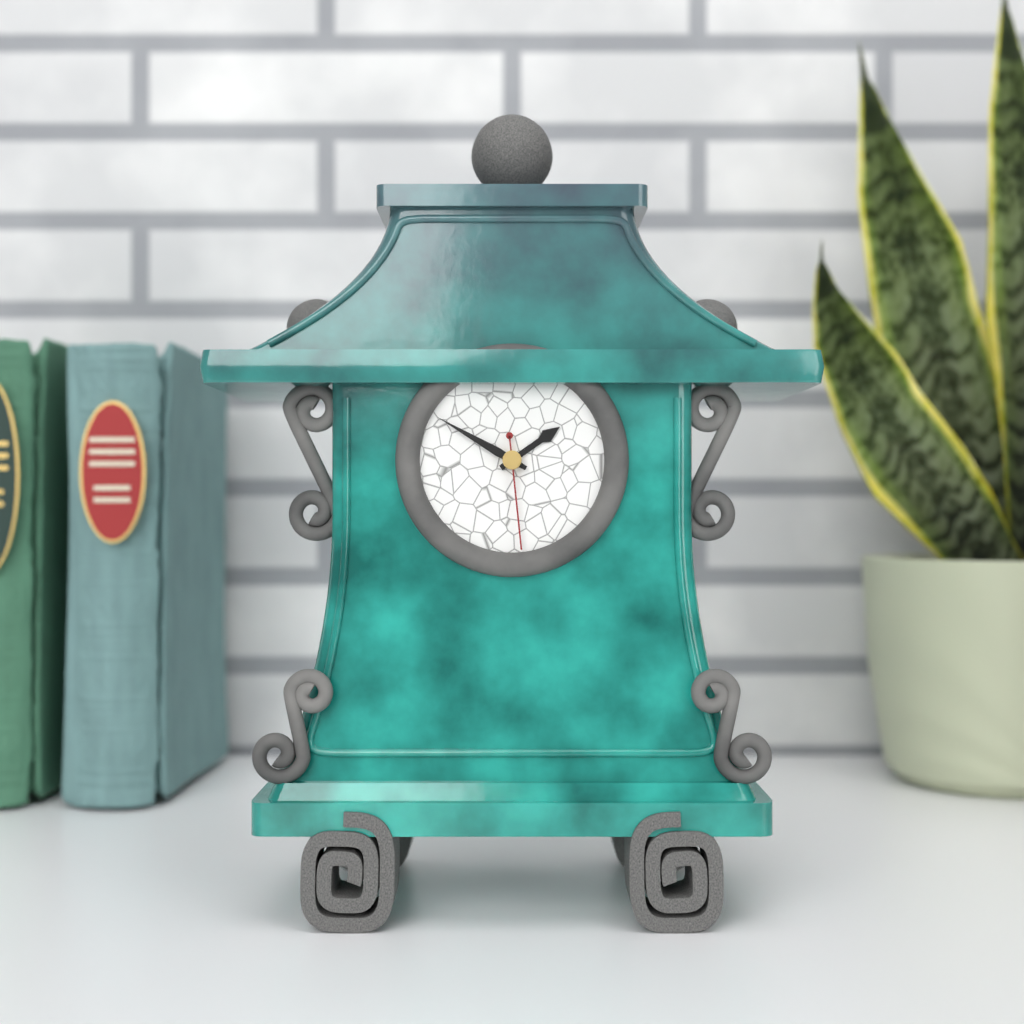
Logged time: 1:50:29
